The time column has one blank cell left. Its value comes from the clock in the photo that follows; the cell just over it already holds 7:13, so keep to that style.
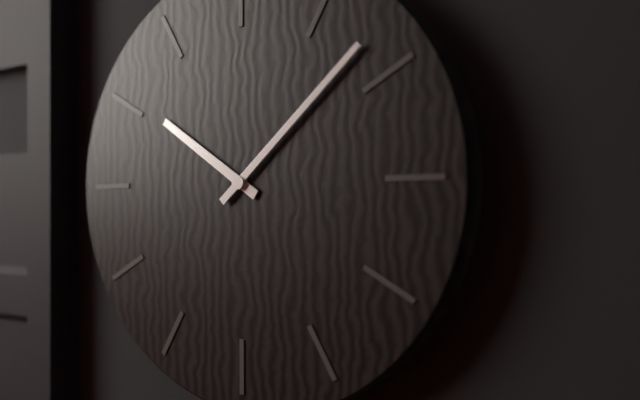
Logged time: 10:08
